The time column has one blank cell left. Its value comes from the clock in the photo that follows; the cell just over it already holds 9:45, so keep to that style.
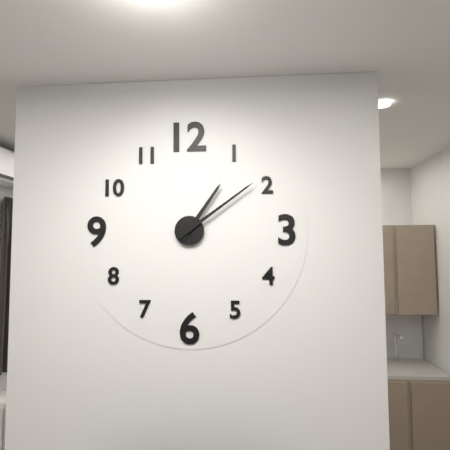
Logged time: 1:09
